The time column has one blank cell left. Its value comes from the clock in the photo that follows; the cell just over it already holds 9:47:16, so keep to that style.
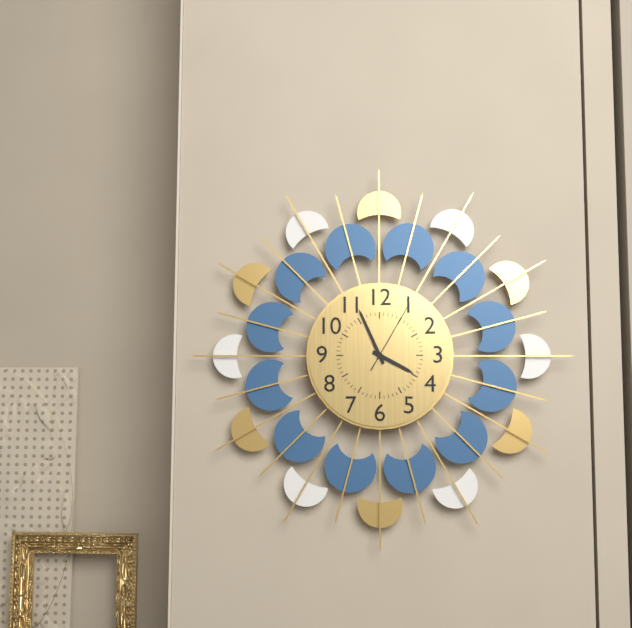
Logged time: 3:56:05
